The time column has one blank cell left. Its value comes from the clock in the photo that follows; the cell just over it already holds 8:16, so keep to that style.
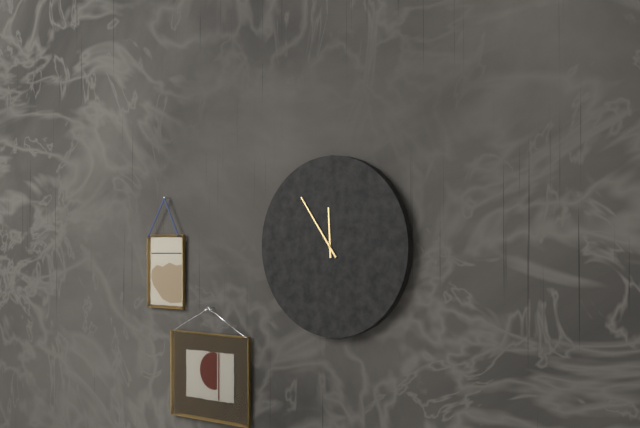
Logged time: 11:54
